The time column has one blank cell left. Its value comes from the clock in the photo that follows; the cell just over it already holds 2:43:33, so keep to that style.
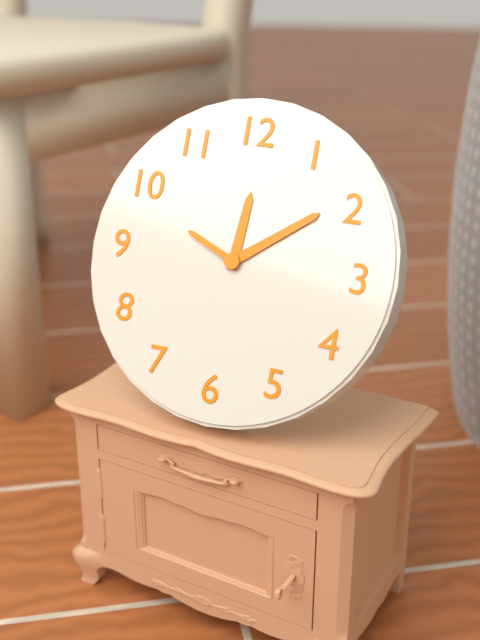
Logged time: 12:09:49
